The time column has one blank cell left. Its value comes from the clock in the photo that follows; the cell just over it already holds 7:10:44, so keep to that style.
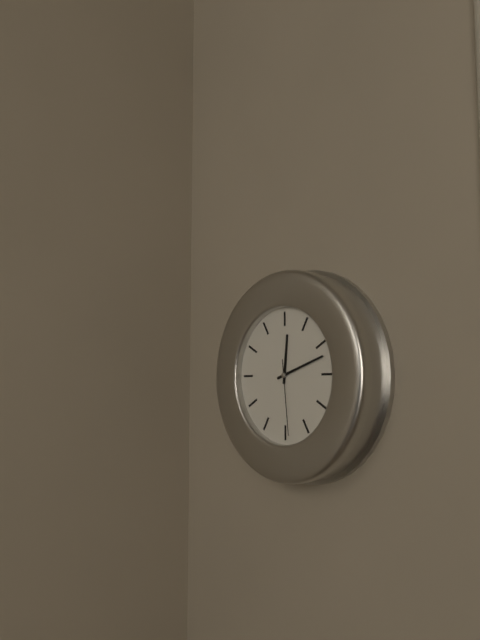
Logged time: 12:12:29
